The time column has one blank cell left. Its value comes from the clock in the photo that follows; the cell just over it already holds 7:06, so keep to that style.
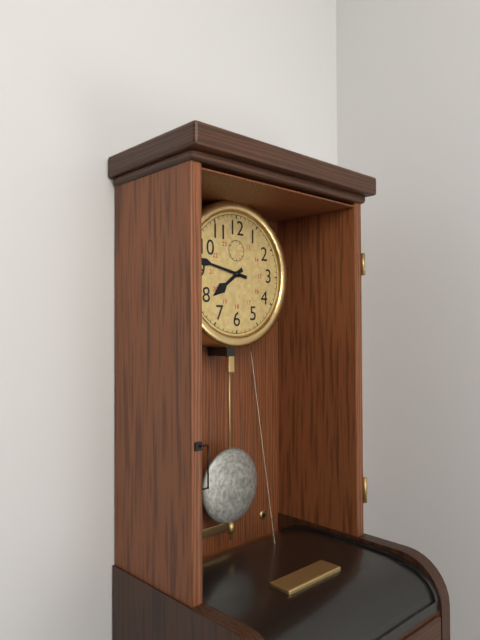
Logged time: 7:47
